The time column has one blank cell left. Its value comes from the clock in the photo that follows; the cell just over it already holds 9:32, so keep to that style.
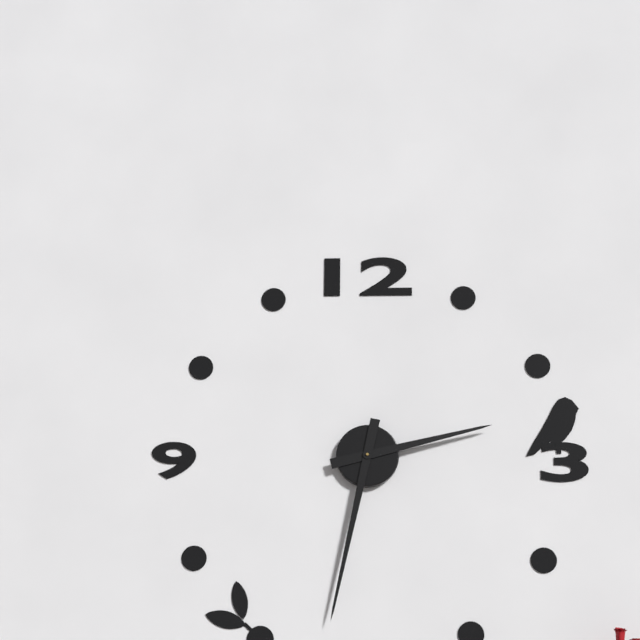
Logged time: 2:32
